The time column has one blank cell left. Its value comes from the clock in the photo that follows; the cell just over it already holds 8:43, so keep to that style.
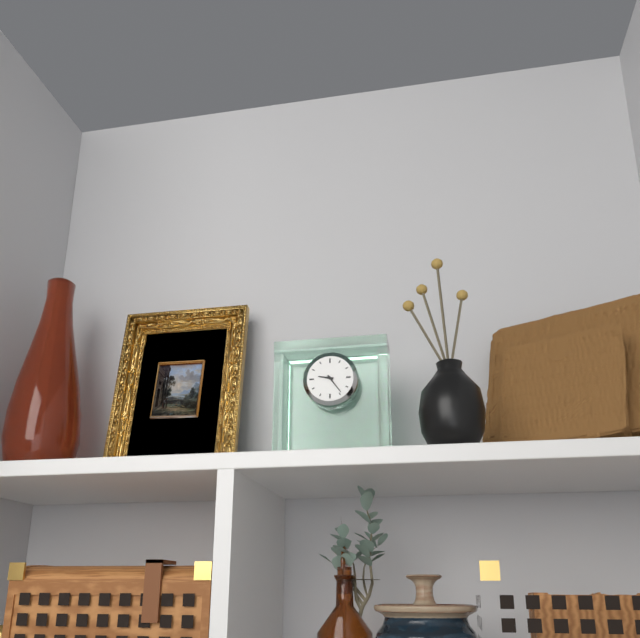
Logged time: 9:24
